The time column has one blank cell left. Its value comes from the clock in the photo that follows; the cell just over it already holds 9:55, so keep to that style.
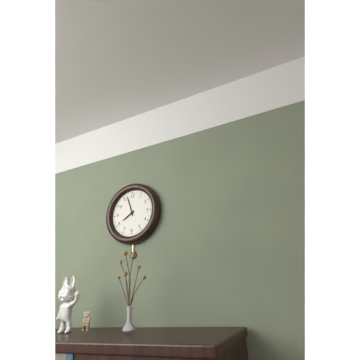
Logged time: 7:57
